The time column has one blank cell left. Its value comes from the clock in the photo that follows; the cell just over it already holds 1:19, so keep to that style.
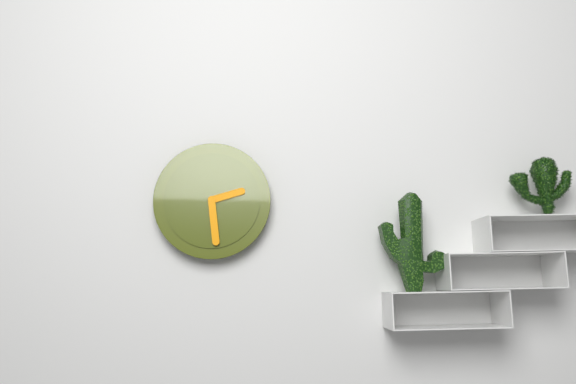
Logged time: 2:29
